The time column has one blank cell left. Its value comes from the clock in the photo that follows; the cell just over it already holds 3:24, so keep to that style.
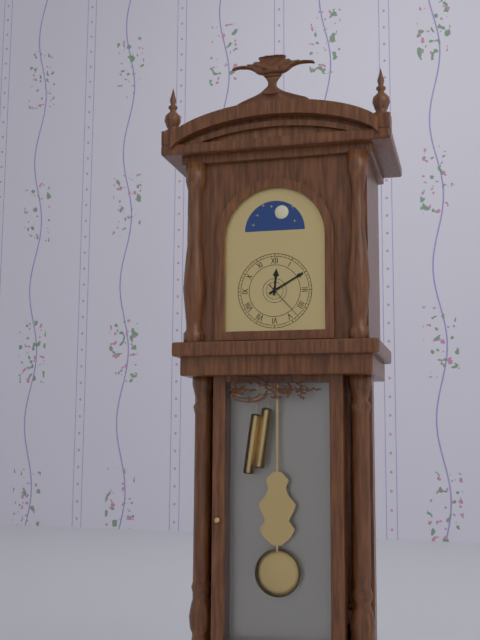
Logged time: 12:10
